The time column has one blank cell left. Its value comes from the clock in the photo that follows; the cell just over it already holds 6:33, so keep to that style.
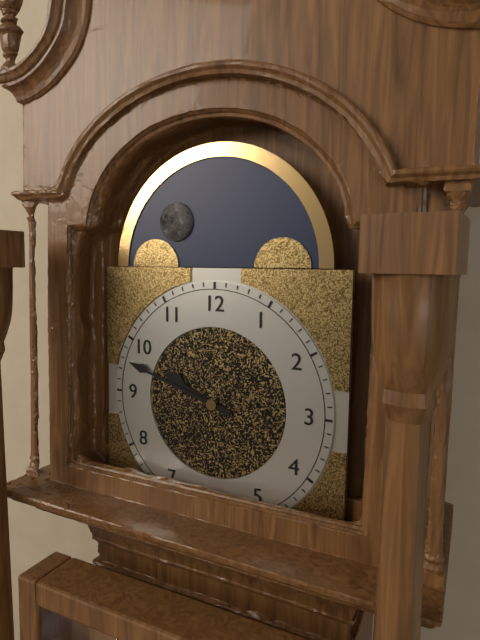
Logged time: 9:48
